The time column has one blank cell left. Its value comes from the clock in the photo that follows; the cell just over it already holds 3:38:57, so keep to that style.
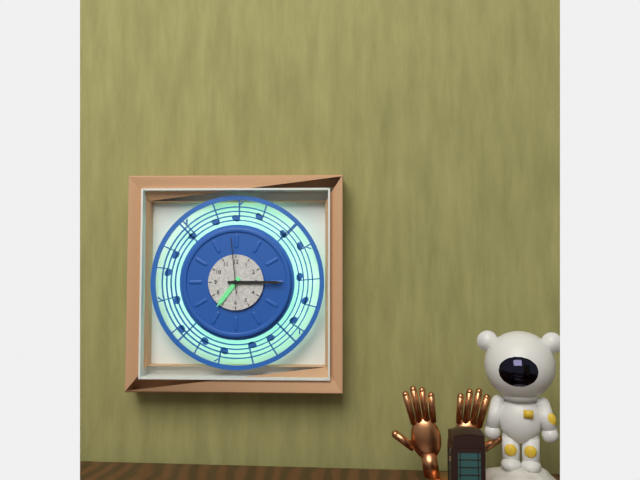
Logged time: 7:15:59
